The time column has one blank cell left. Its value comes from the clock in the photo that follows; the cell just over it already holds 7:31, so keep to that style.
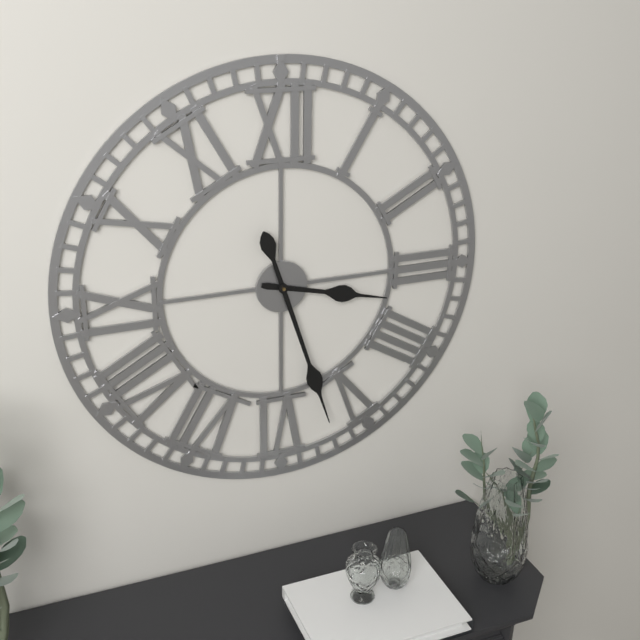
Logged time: 3:27
